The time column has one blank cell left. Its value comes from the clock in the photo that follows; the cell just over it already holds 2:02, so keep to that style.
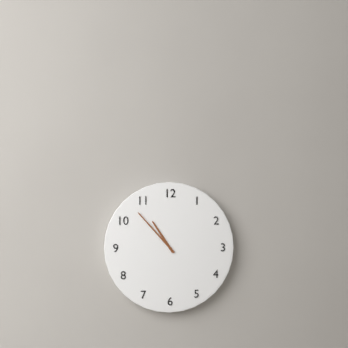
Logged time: 10:53
